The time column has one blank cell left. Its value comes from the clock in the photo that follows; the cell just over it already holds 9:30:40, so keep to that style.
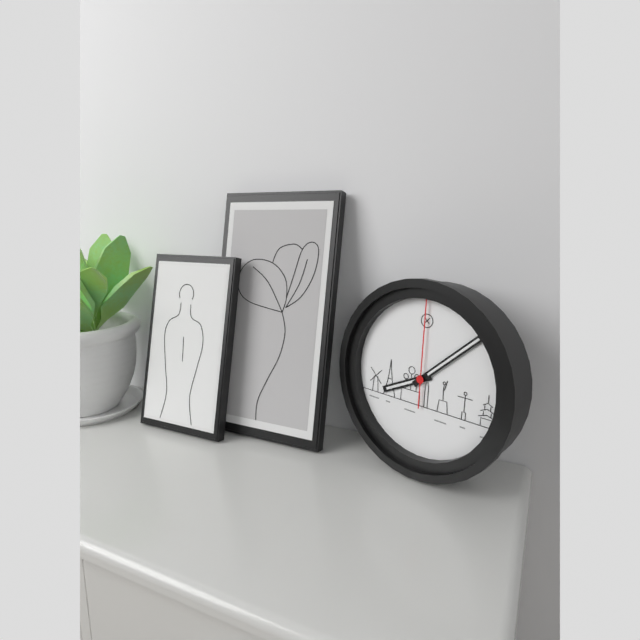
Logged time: 8:08:00
